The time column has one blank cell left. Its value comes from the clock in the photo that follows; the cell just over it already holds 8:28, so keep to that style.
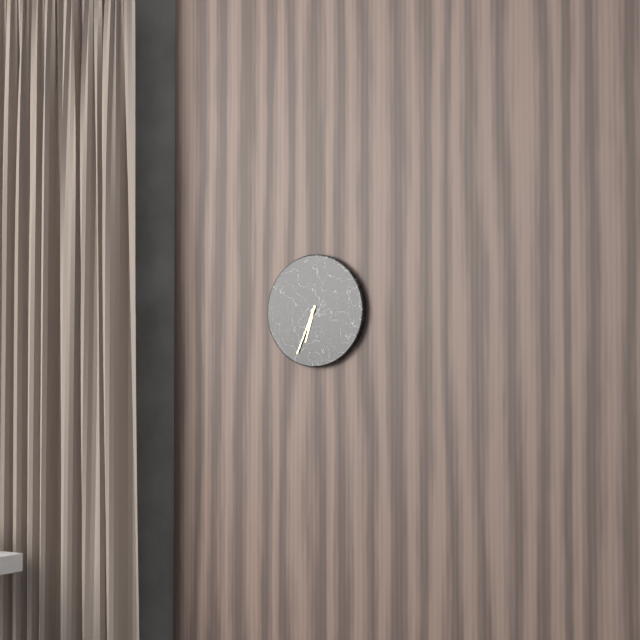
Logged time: 6:34
